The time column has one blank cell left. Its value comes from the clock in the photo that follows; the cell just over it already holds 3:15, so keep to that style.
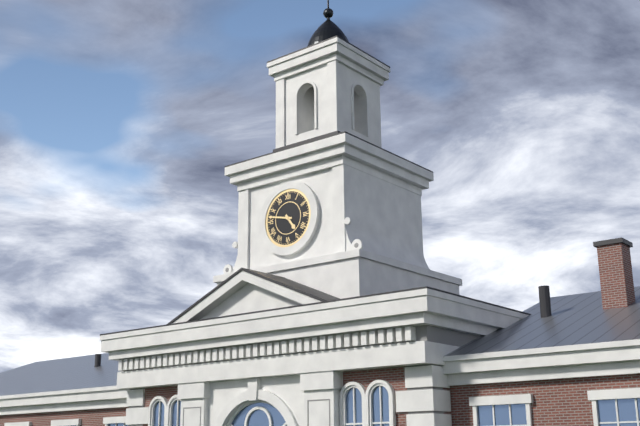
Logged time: 4:47
